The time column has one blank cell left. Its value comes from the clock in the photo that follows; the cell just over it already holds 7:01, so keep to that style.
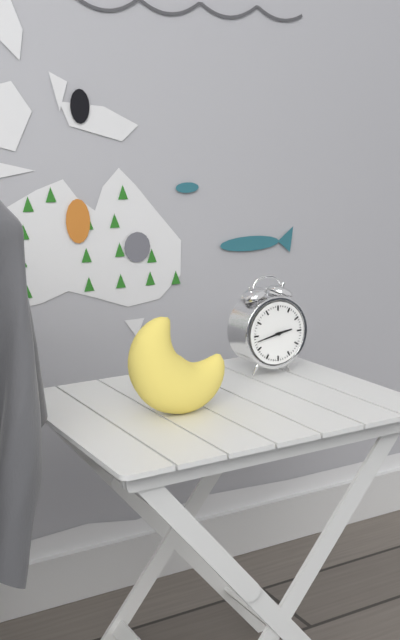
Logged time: 2:43
